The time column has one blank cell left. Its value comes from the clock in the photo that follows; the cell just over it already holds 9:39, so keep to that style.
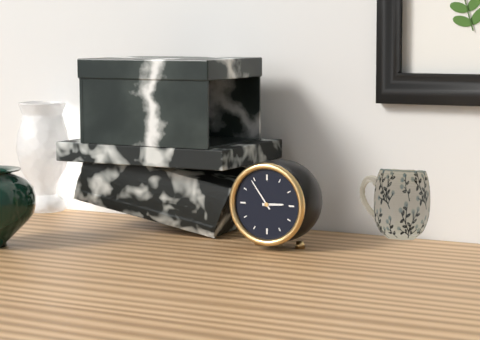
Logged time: 2:54
